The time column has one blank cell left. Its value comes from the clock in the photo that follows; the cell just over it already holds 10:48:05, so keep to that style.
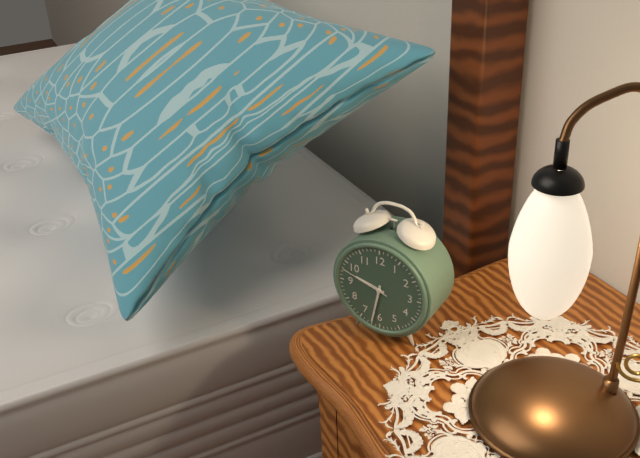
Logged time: 9:32:48
